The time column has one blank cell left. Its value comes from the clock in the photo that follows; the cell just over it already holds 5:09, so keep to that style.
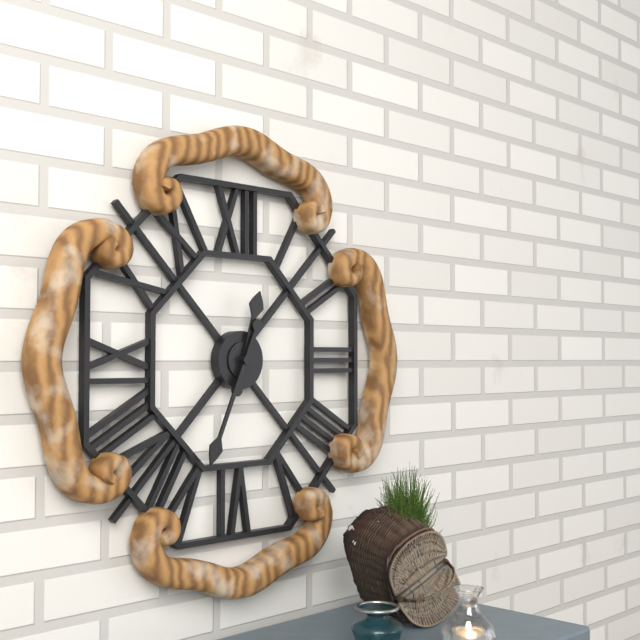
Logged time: 12:34
